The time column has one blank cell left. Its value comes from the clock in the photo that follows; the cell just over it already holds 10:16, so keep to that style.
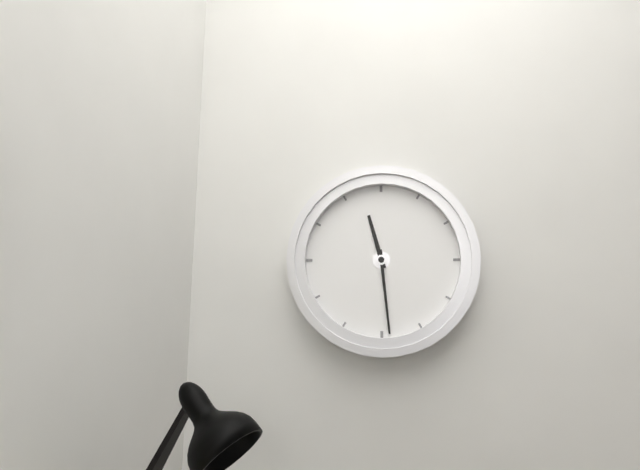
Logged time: 11:29
